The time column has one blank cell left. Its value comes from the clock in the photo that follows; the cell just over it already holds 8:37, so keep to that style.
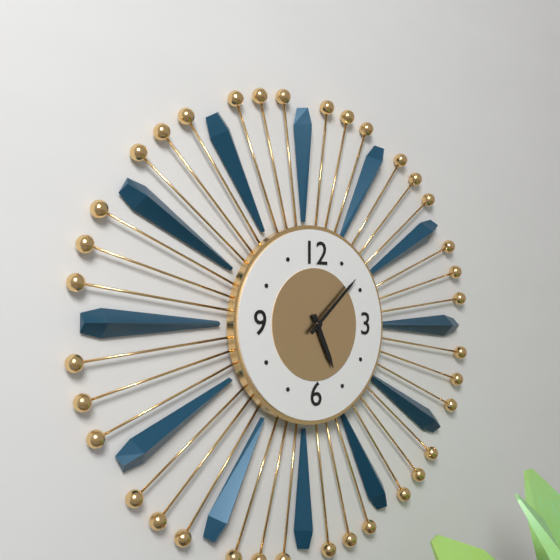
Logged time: 5:08
